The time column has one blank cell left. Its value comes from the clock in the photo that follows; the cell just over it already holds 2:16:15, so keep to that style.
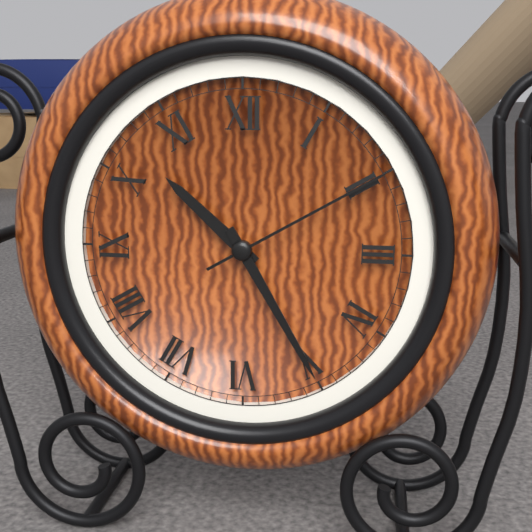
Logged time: 10:25:10
